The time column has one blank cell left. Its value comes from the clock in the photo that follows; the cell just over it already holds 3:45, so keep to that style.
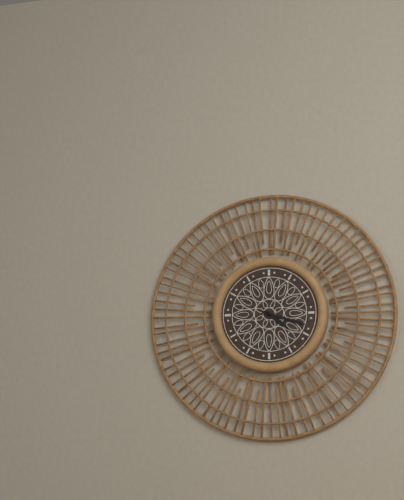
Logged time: 4:18
